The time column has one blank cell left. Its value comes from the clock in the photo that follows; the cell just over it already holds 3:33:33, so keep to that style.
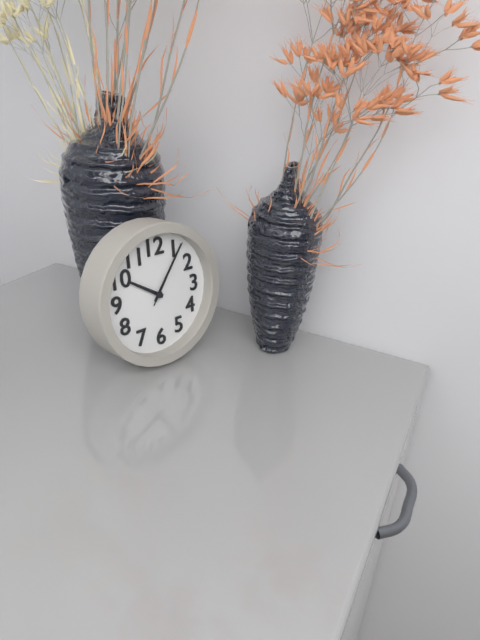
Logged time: 10:06:06
